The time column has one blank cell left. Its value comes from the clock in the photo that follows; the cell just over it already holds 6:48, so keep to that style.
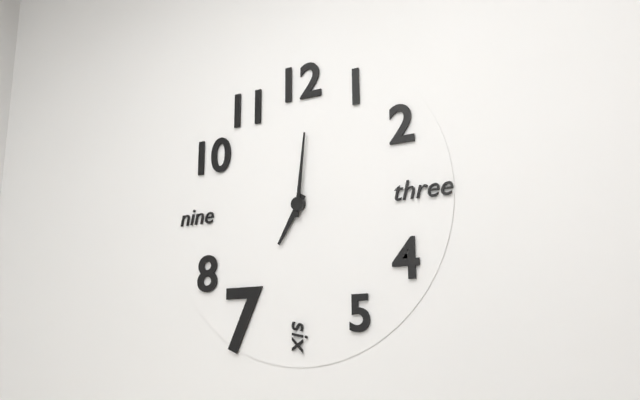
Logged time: 7:01
